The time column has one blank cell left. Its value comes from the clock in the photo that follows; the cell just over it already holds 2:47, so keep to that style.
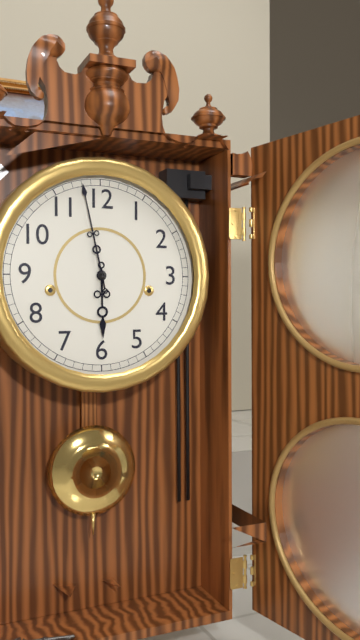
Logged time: 5:58
